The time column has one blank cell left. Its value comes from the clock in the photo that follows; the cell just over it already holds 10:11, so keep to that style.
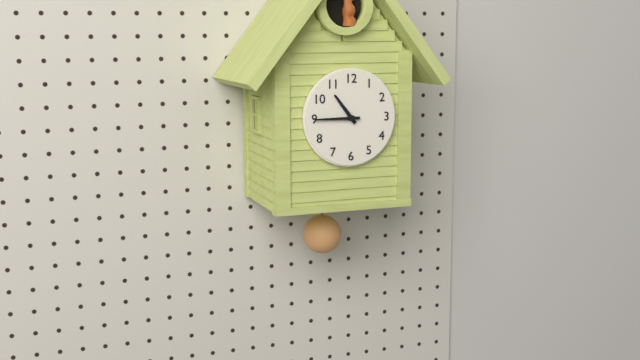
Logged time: 10:45
